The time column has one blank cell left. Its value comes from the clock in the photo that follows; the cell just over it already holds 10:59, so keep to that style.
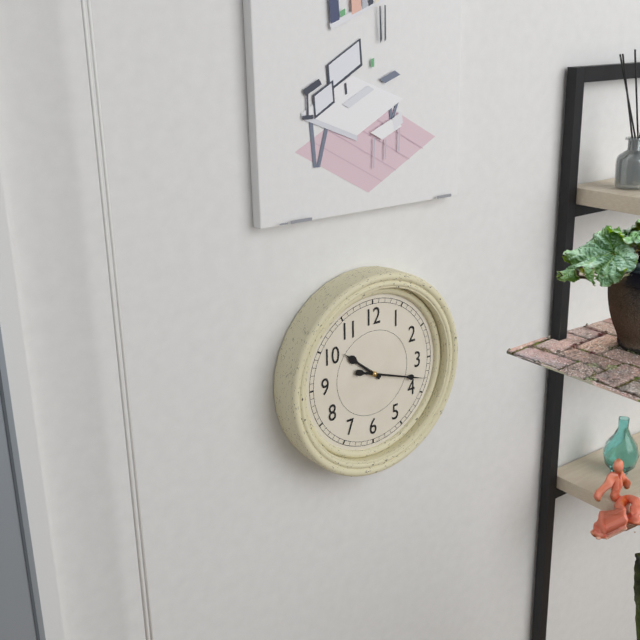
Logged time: 10:18
